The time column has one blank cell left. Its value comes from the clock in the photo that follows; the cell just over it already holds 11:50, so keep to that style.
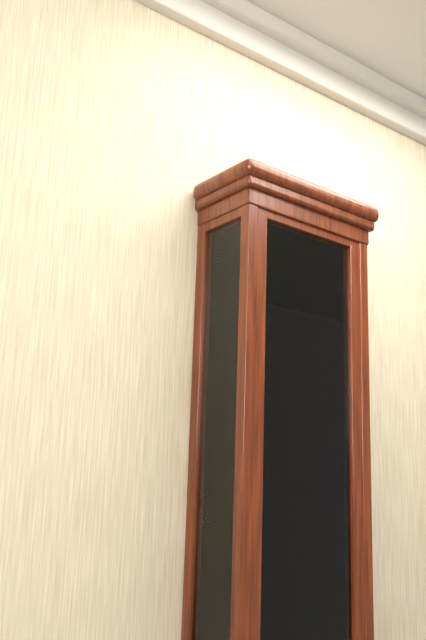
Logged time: 11:53
